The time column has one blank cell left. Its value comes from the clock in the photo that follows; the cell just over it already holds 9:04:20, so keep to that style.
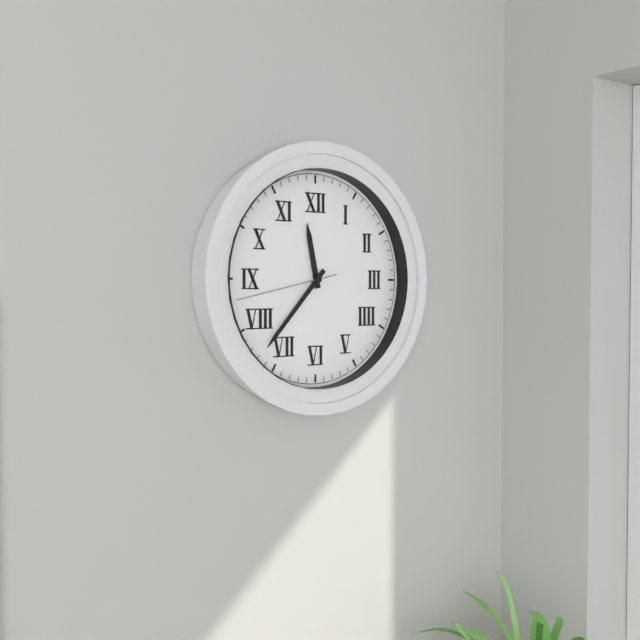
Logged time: 11:37:43
